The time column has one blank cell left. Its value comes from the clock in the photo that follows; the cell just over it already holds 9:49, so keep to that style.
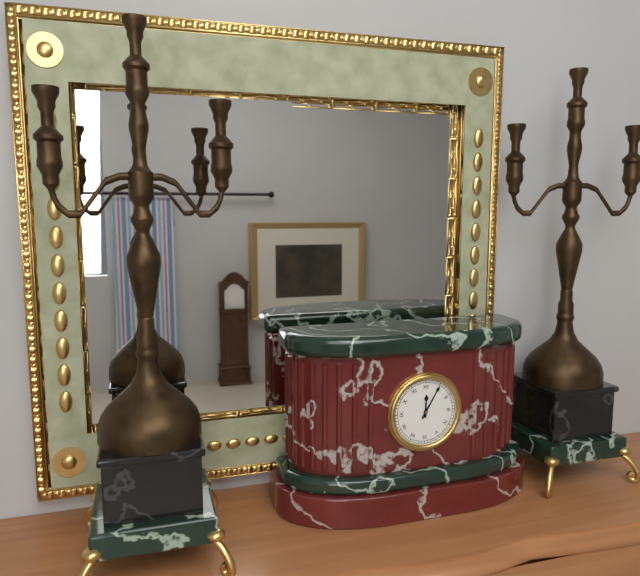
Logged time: 12:05
